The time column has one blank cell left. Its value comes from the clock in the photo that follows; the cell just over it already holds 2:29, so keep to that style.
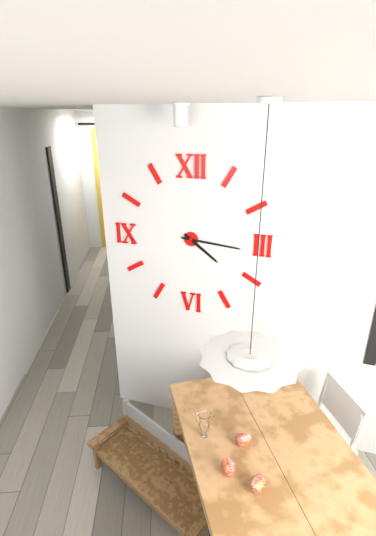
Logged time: 4:16
